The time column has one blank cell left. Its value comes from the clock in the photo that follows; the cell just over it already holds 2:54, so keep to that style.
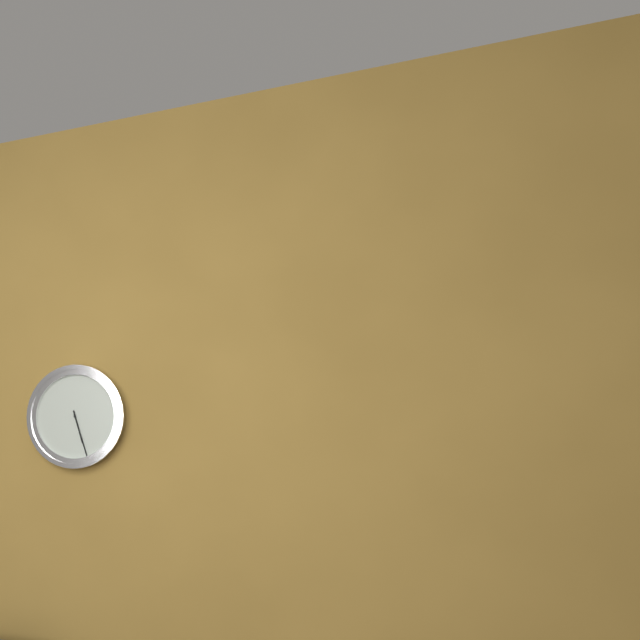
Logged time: 5:27
